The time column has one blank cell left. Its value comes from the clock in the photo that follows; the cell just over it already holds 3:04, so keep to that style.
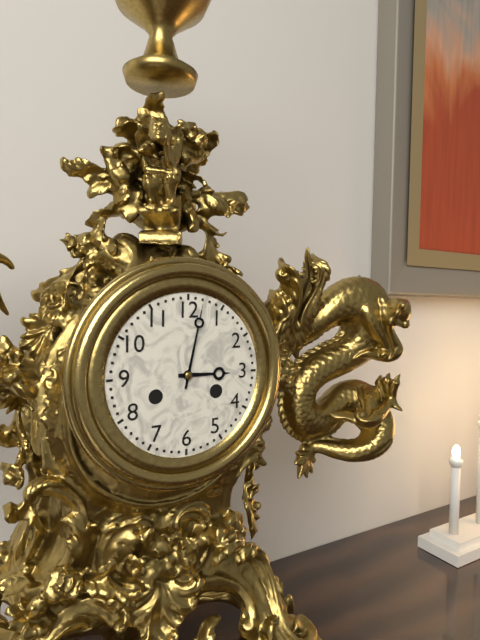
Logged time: 3:02
